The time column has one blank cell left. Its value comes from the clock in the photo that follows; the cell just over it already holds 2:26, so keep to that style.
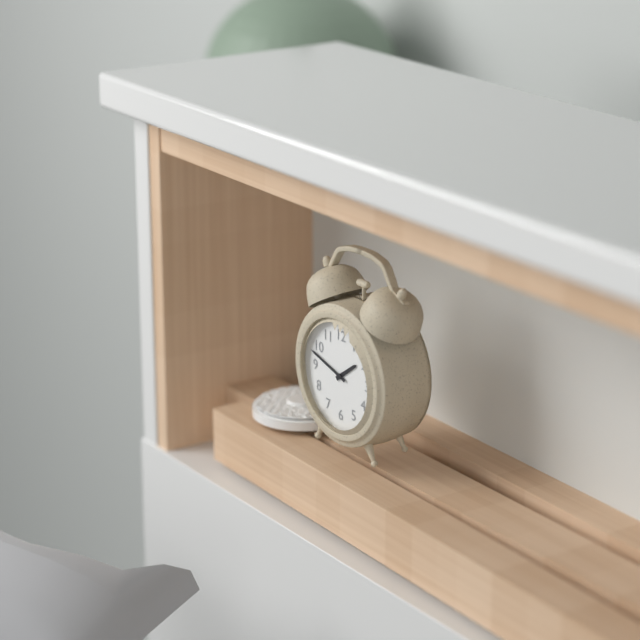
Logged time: 1:48
